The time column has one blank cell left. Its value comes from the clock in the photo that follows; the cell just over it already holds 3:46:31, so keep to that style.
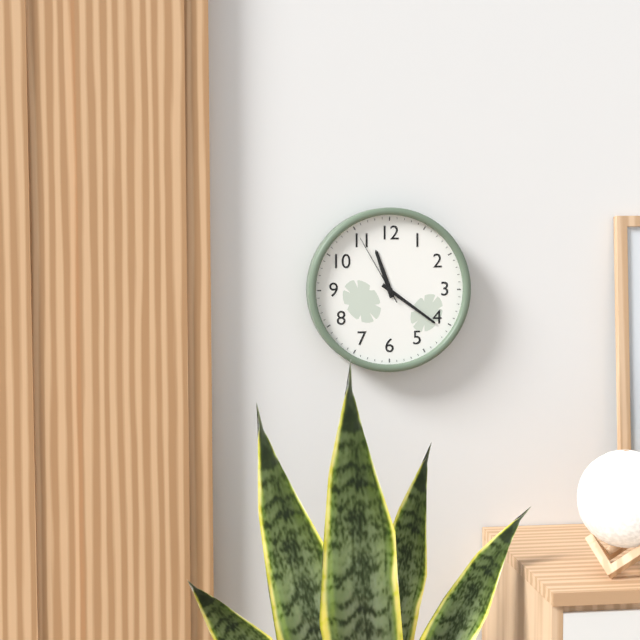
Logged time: 11:21:55
